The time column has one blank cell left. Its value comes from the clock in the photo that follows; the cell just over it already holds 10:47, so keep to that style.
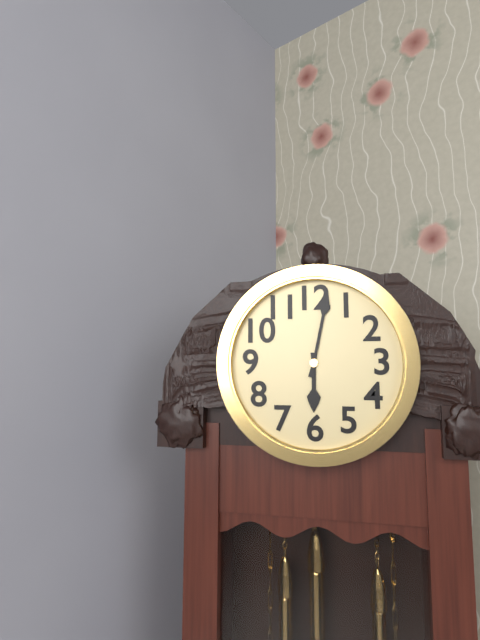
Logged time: 6:02
